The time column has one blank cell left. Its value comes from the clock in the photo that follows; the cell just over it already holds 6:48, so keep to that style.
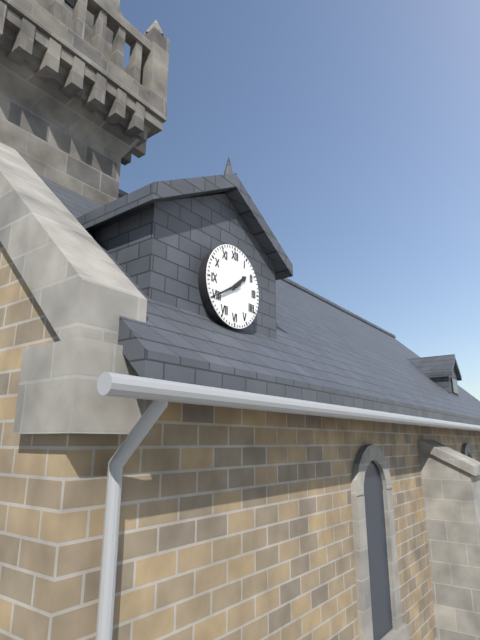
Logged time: 1:40
